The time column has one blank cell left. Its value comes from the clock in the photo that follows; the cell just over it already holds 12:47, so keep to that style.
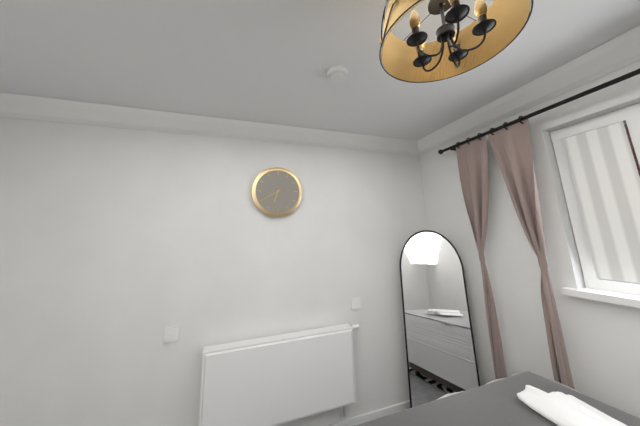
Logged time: 6:40
